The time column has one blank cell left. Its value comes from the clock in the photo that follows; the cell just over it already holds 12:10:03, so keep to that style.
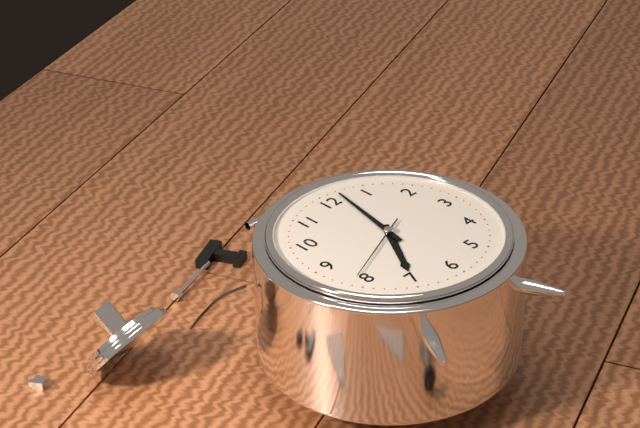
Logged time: 7:02:41
